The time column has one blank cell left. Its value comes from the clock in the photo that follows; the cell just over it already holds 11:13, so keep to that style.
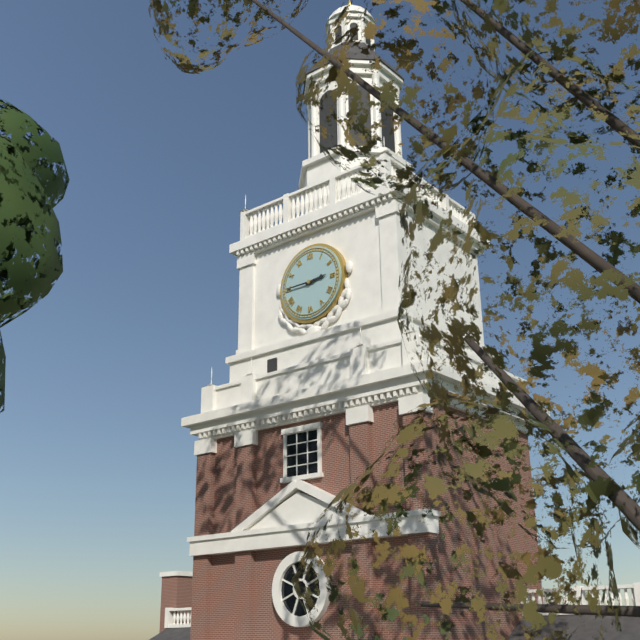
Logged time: 2:45
